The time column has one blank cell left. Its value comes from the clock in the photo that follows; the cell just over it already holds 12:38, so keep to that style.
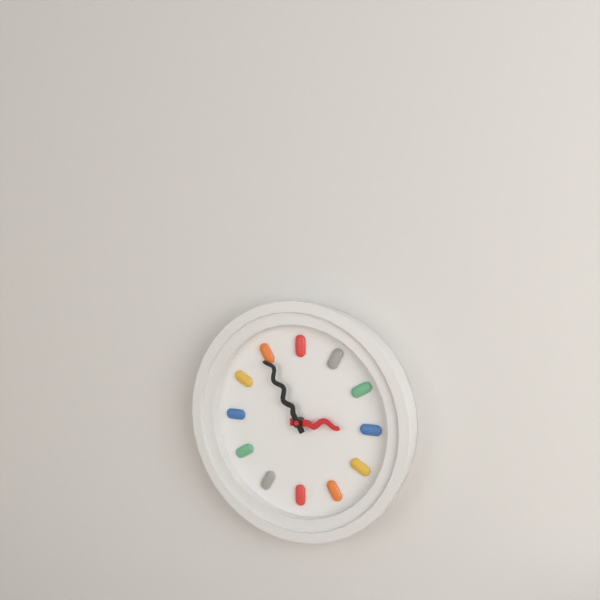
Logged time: 2:55
